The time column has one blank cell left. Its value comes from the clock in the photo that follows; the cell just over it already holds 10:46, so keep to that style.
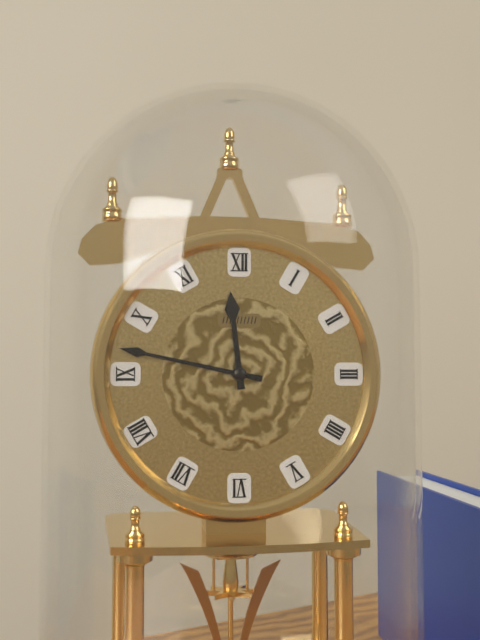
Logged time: 11:47
